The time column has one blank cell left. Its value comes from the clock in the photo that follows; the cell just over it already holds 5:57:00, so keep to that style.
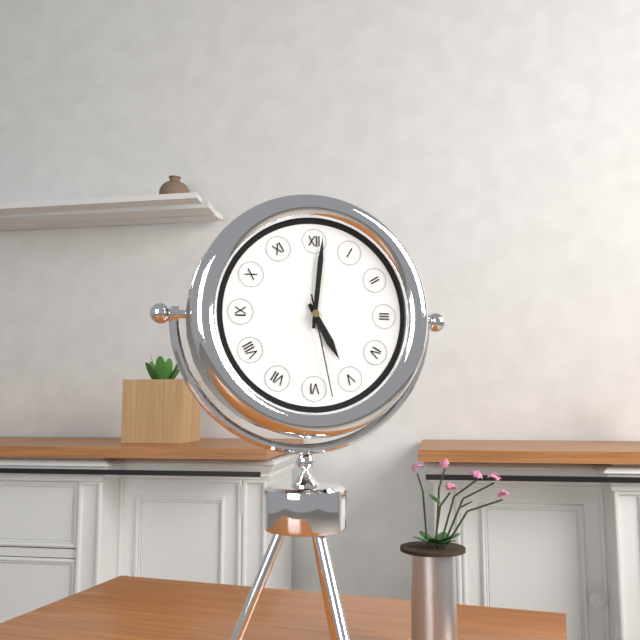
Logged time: 5:01:28
